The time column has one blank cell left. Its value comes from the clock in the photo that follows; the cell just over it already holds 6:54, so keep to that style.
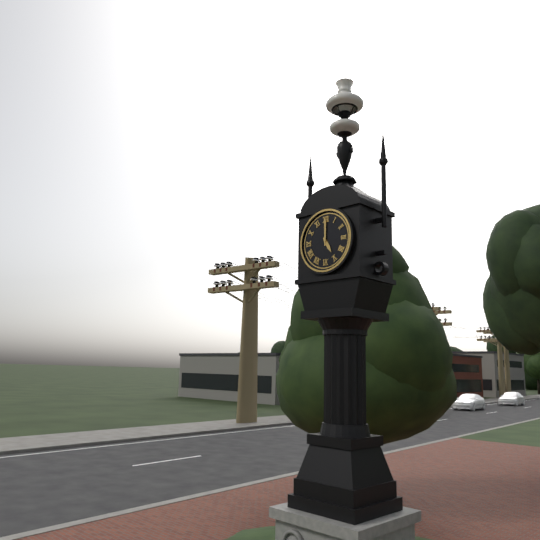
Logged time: 5:00
